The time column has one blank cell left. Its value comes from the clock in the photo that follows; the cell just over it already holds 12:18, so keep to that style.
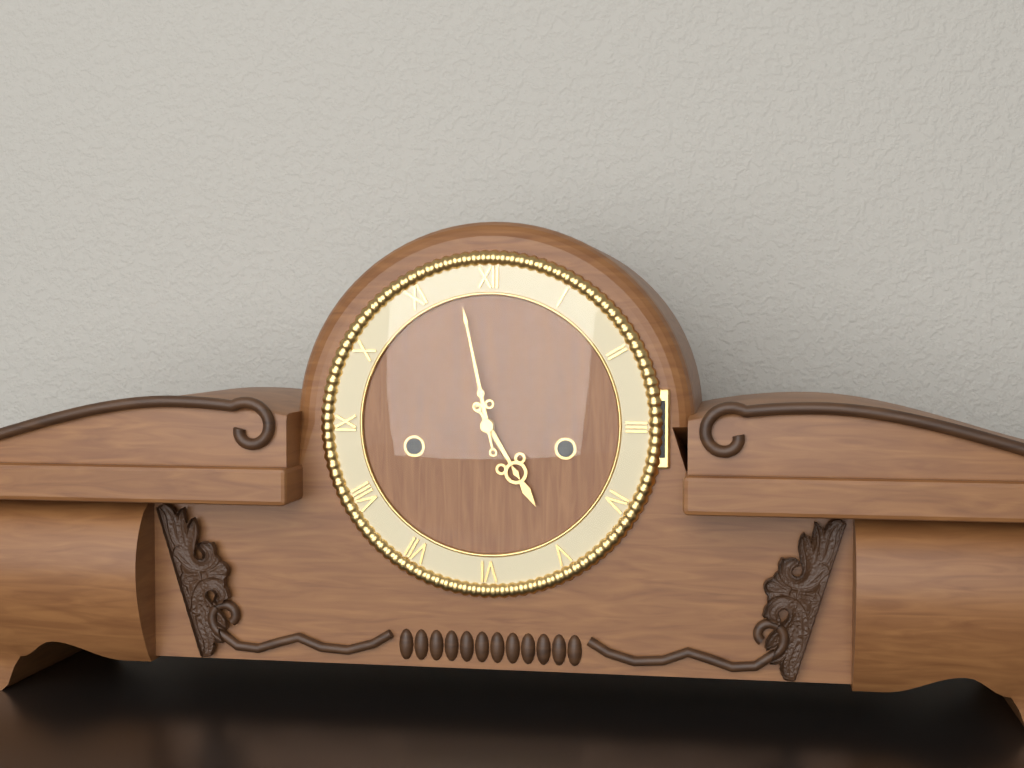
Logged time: 4:58
